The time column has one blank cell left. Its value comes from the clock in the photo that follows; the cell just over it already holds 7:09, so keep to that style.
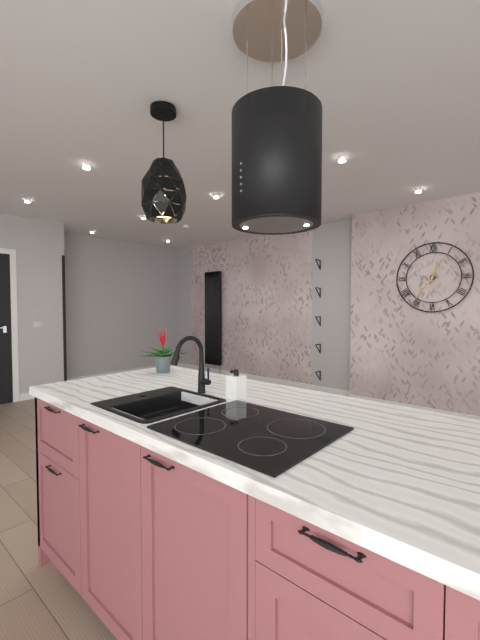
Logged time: 12:36
